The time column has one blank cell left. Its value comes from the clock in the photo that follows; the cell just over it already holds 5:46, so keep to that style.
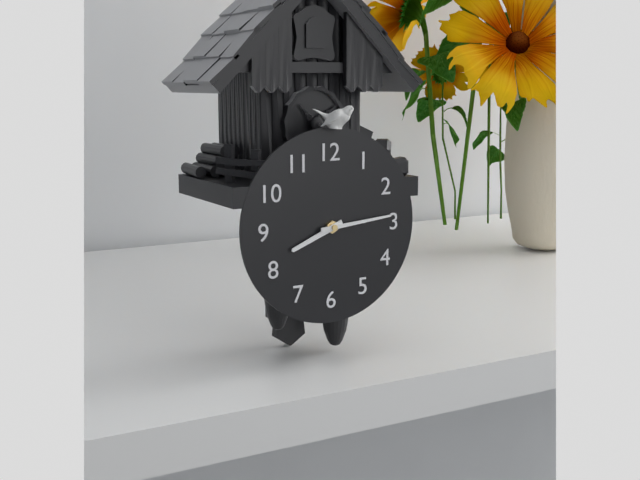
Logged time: 8:14
